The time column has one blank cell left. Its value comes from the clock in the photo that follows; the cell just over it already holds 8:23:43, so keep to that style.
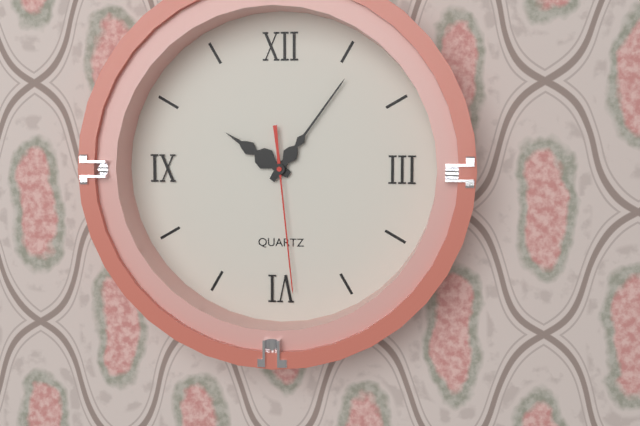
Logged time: 10:06:29
